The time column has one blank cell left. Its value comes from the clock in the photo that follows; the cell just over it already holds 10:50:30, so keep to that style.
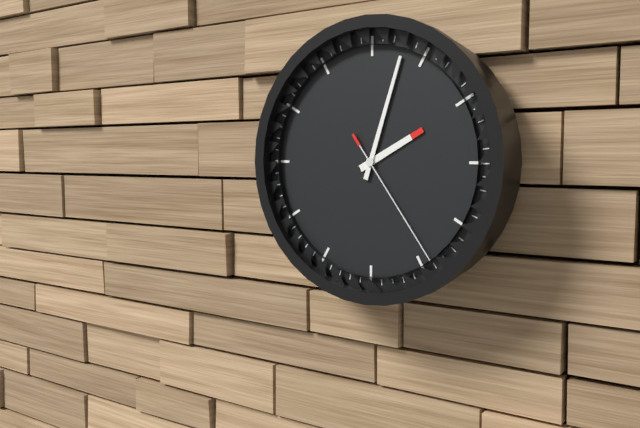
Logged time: 2:03:24
